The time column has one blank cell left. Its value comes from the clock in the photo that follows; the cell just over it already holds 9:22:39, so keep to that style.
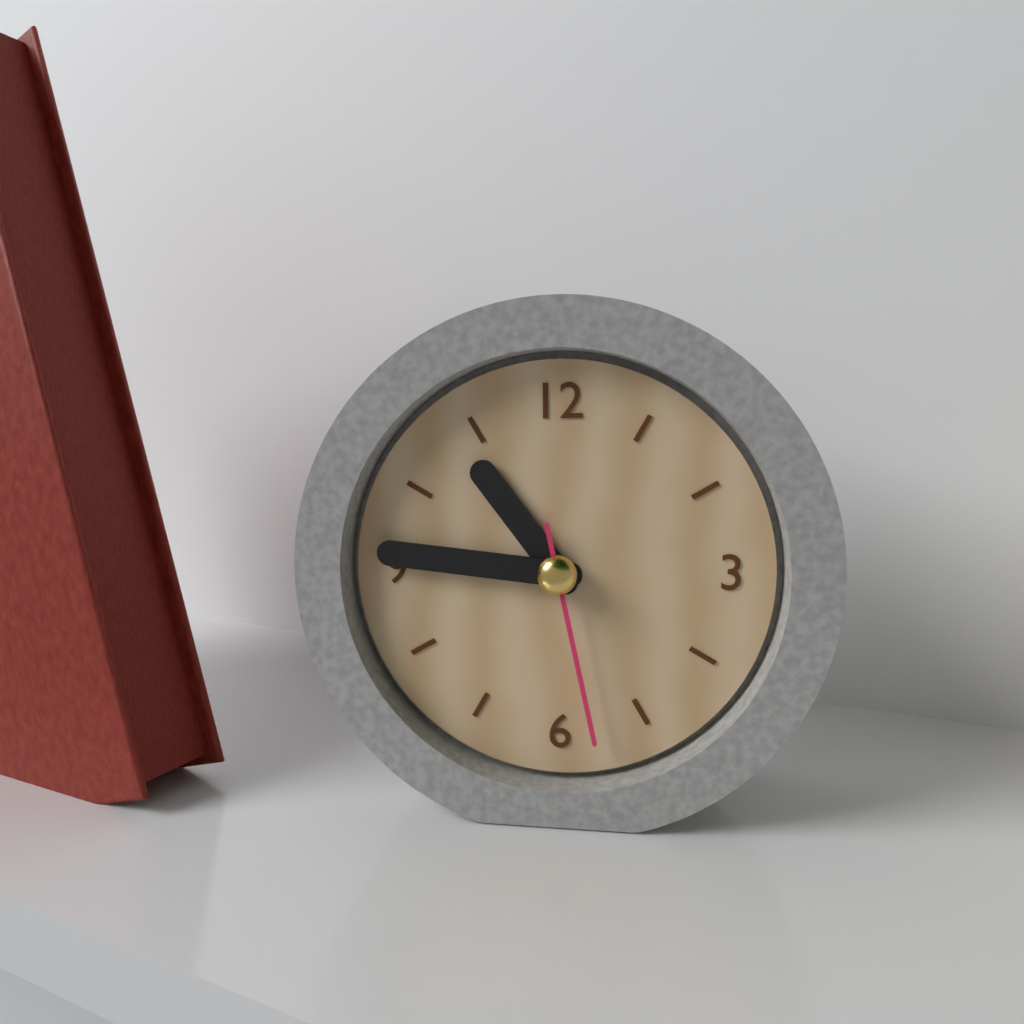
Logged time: 10:46:28
